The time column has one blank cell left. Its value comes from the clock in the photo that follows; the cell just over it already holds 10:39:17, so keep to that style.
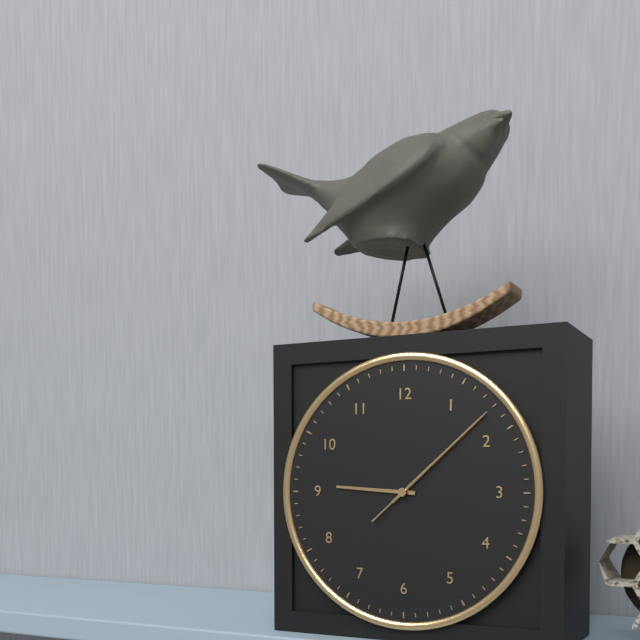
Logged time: 9:08:08
